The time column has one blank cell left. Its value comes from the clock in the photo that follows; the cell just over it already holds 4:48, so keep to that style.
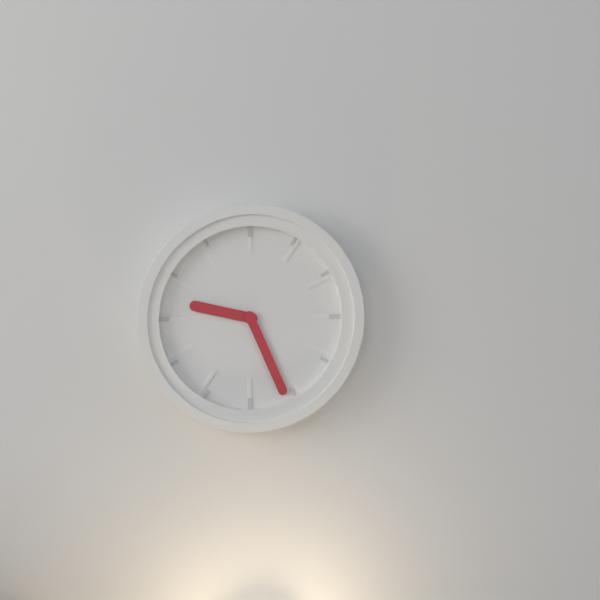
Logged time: 9:26
